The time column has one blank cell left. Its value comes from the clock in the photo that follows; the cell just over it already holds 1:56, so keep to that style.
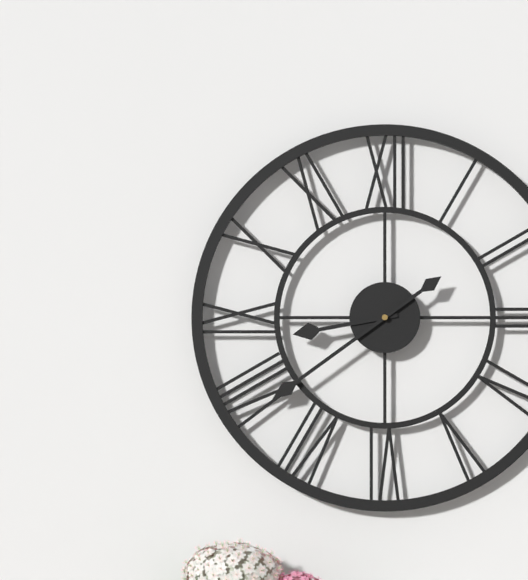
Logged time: 8:39
